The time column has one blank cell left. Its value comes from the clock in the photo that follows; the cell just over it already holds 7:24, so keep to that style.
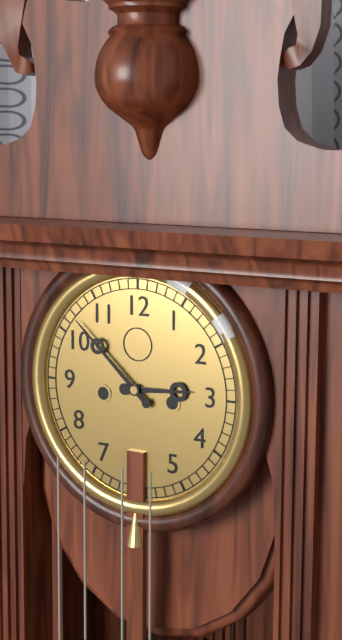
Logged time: 2:52
